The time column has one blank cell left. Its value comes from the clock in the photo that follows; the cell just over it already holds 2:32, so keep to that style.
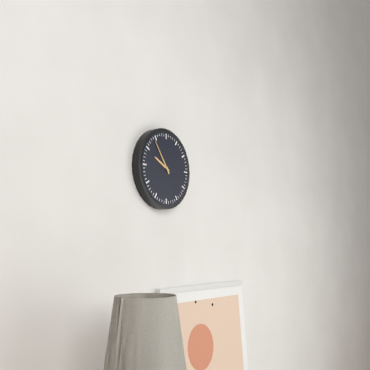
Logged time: 9:54
